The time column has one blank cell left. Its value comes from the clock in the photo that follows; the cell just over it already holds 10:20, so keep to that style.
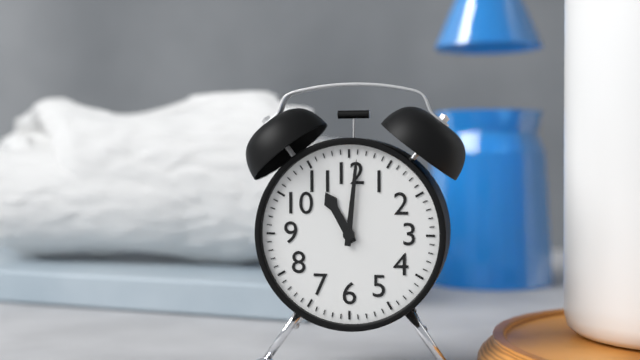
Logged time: 11:01
